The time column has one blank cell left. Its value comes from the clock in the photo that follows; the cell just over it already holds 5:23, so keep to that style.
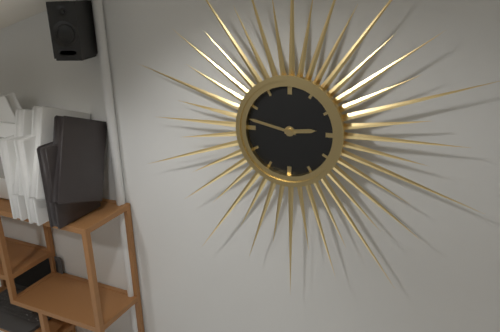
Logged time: 2:47
